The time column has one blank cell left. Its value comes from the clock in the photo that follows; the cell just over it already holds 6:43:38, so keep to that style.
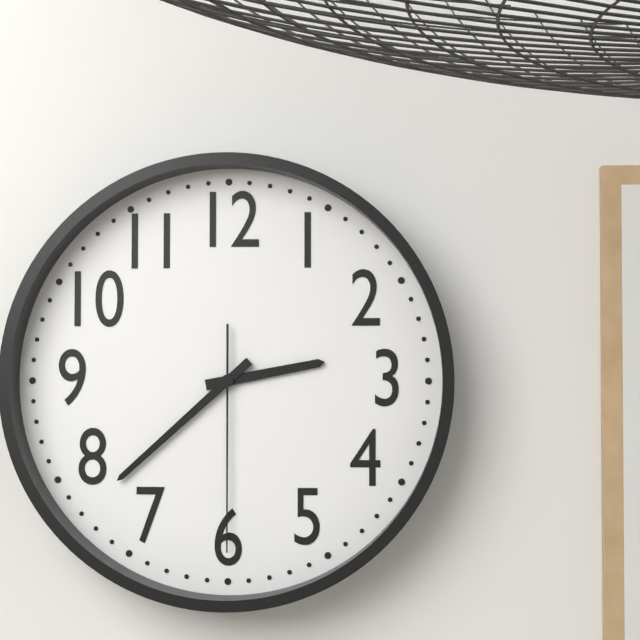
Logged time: 2:38:30
